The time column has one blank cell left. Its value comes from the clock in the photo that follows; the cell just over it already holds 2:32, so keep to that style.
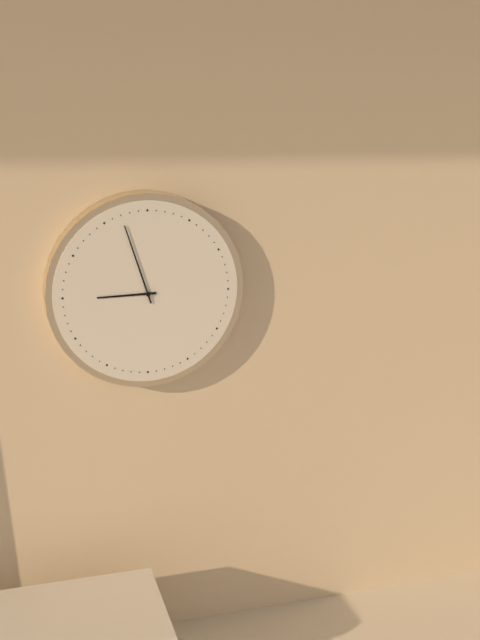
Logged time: 8:57
